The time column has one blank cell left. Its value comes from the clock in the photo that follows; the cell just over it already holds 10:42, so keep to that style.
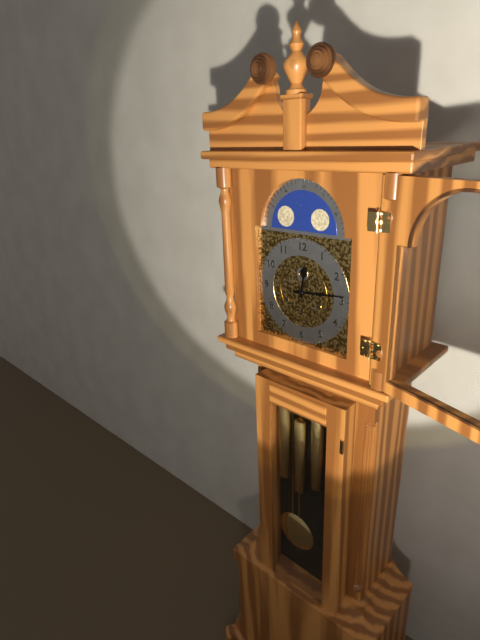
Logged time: 12:14
